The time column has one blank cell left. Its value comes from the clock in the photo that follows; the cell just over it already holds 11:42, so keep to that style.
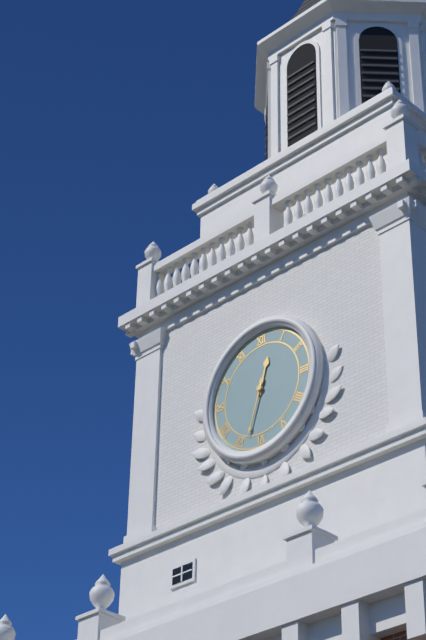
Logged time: 12:33
